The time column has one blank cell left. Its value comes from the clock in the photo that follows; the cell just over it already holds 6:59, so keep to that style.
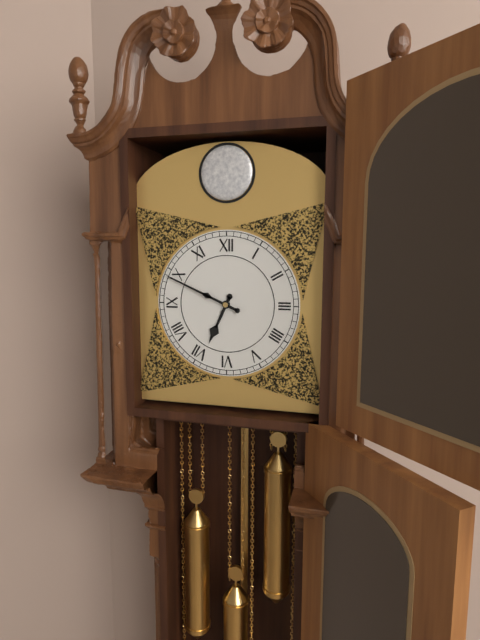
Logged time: 6:49
